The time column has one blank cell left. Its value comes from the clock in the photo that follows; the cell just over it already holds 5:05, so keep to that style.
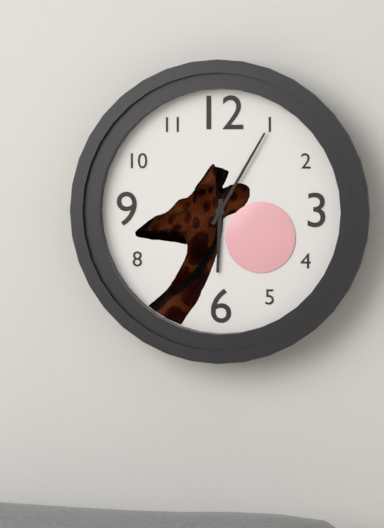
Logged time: 6:05
